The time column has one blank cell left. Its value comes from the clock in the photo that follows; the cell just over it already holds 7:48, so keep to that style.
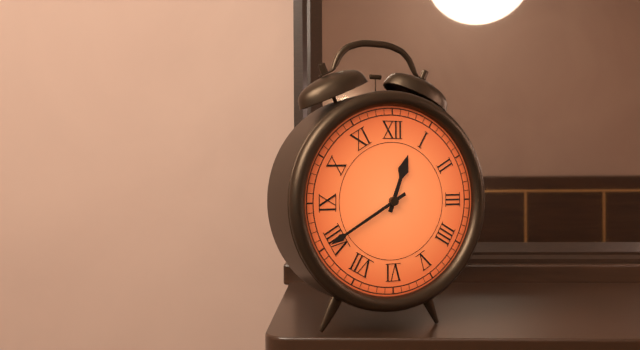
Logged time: 12:40
